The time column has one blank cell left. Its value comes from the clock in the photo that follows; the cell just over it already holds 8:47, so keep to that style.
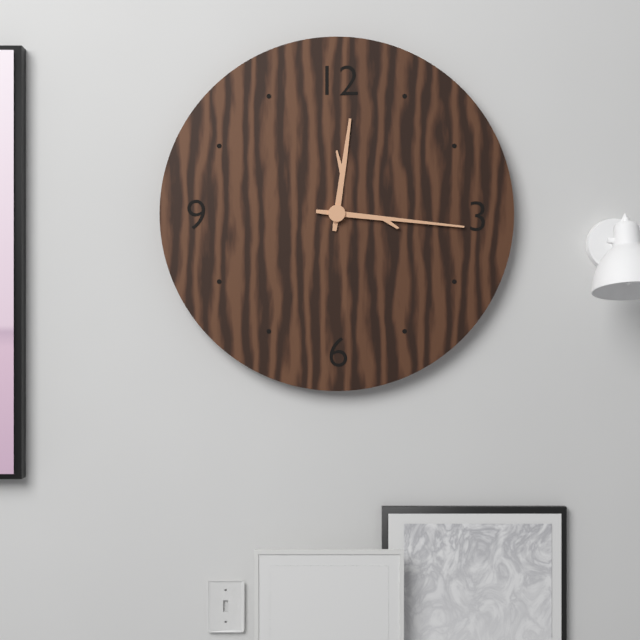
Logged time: 12:16
